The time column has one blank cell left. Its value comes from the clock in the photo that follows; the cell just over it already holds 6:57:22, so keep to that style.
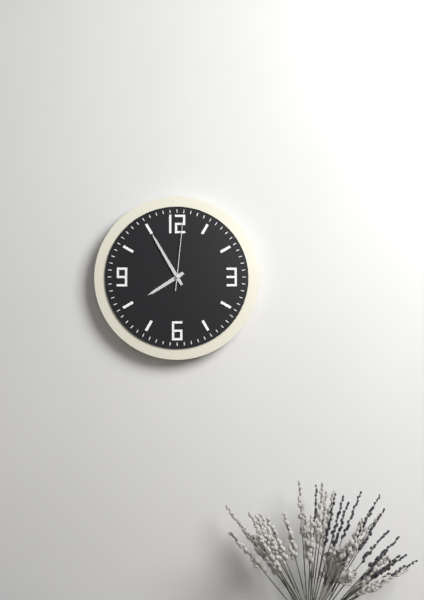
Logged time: 7:55:01
